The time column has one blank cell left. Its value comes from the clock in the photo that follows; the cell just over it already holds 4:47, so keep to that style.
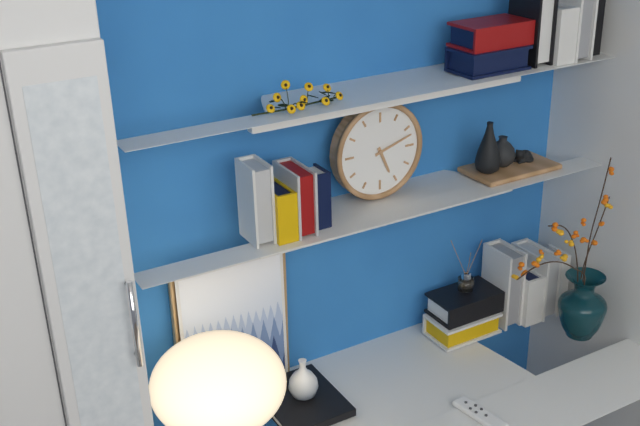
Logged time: 5:12
